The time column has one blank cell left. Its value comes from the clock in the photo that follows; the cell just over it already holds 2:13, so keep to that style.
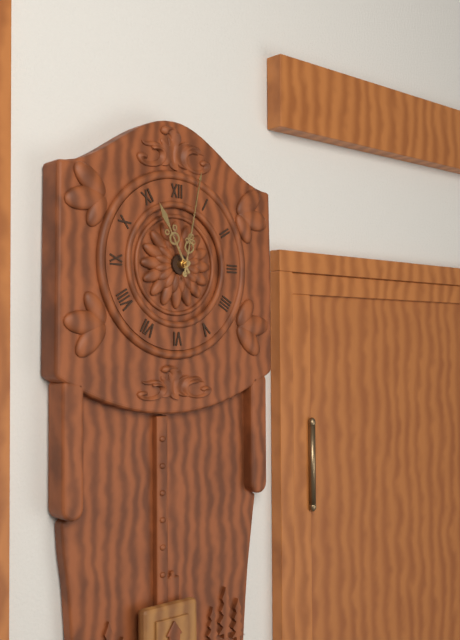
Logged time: 11:02
